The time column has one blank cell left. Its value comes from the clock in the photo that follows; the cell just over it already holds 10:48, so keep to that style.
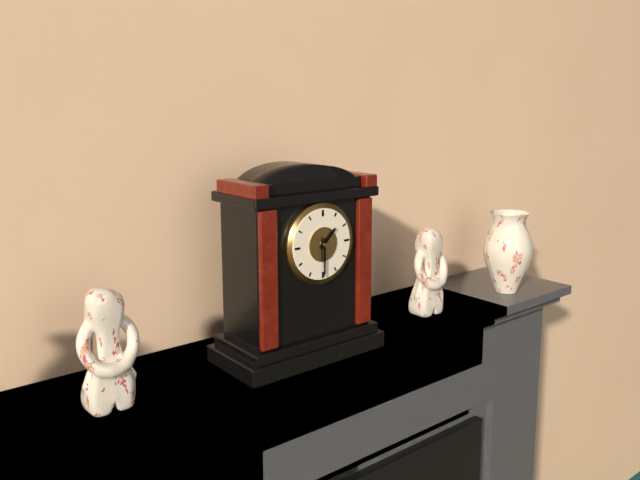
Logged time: 1:30
